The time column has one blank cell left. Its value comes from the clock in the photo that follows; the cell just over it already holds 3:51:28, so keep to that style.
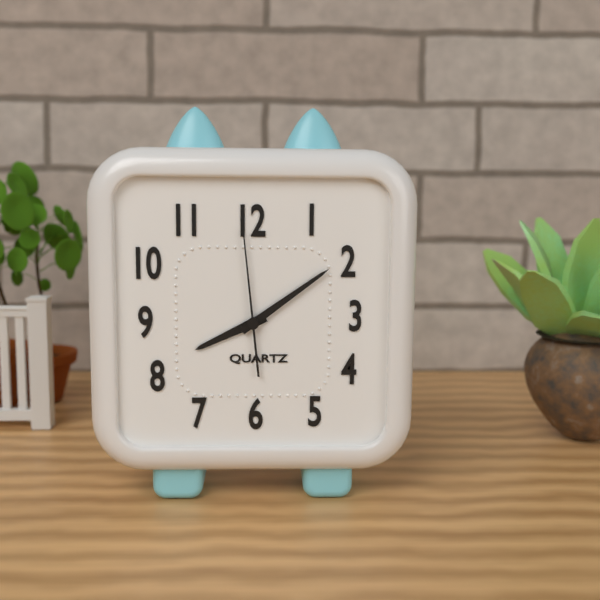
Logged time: 8:09:59
